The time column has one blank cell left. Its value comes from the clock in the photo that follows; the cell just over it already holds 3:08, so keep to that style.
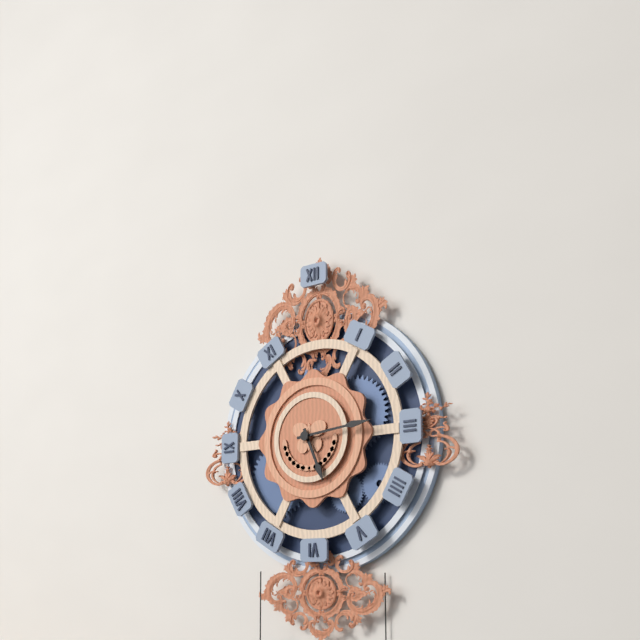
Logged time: 5:14
